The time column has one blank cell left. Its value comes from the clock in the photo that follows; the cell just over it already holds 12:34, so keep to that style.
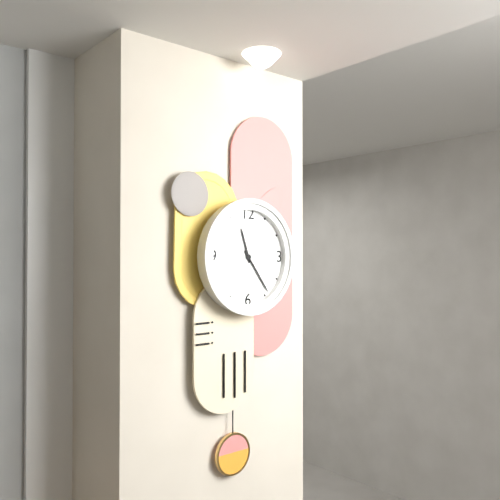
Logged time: 11:24
